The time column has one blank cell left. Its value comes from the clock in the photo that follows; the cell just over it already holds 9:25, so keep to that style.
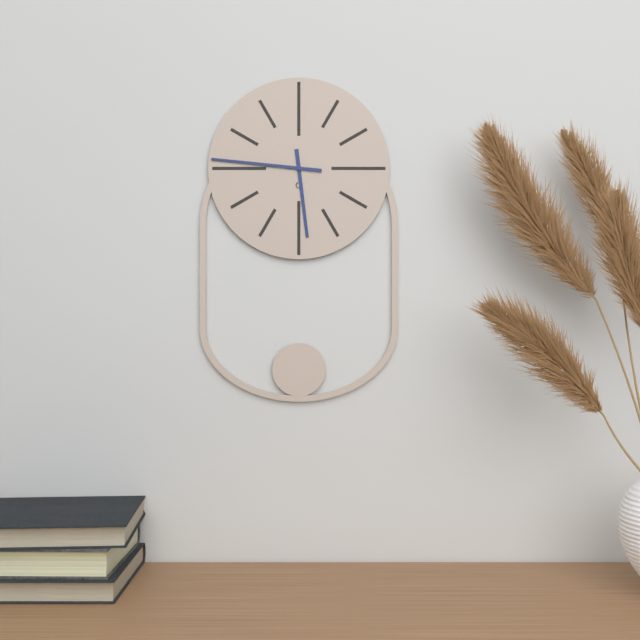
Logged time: 5:46
